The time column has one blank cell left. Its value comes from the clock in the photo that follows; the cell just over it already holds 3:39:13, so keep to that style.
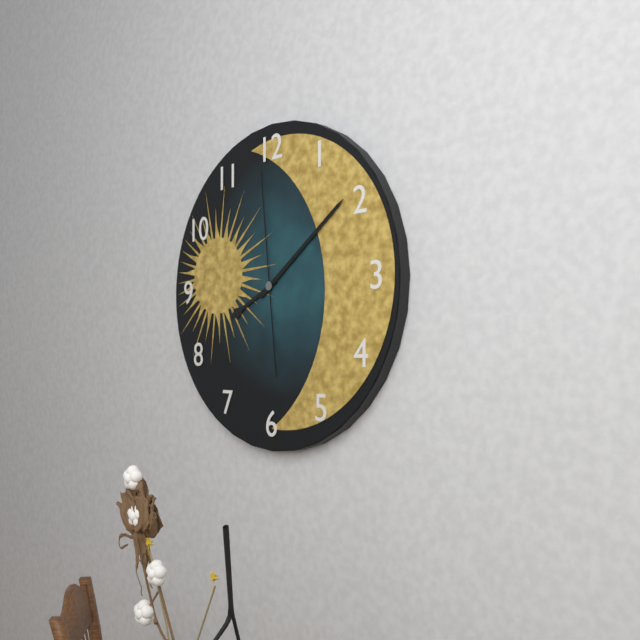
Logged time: 8:09:59
